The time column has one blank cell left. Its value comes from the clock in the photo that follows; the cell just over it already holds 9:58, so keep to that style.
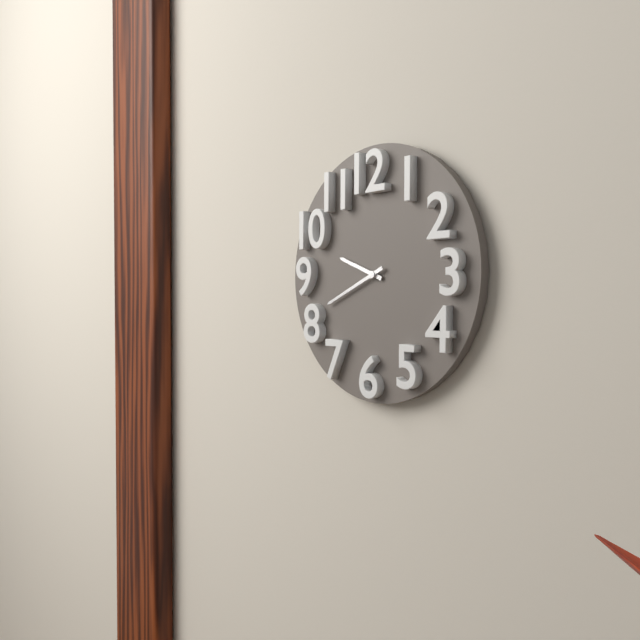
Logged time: 9:41
